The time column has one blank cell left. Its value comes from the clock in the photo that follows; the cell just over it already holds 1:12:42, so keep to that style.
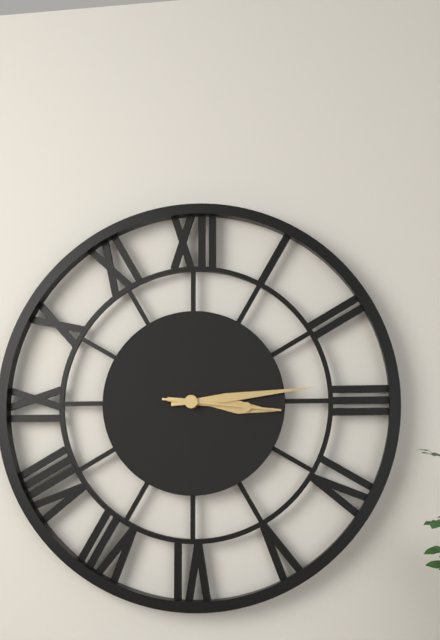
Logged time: 3:14:16
